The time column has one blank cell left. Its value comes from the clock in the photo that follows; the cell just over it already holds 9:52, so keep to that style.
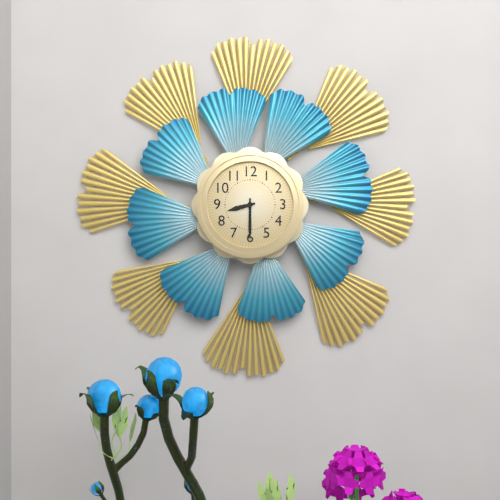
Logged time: 8:30
